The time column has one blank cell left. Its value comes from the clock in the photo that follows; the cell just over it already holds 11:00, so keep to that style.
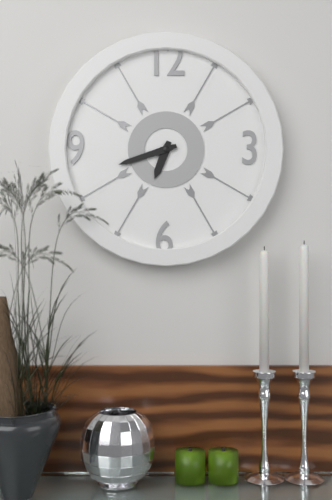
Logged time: 6:42
